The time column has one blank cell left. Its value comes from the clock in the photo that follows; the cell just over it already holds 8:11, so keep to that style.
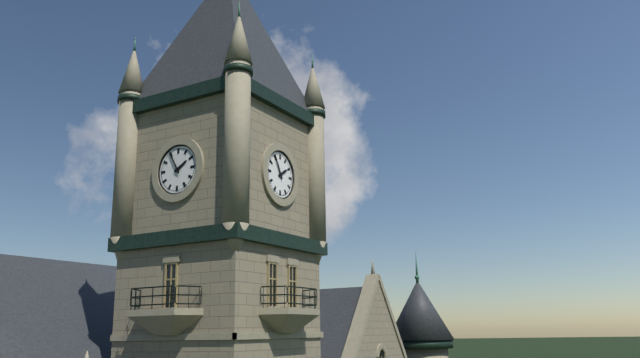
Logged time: 1:55
